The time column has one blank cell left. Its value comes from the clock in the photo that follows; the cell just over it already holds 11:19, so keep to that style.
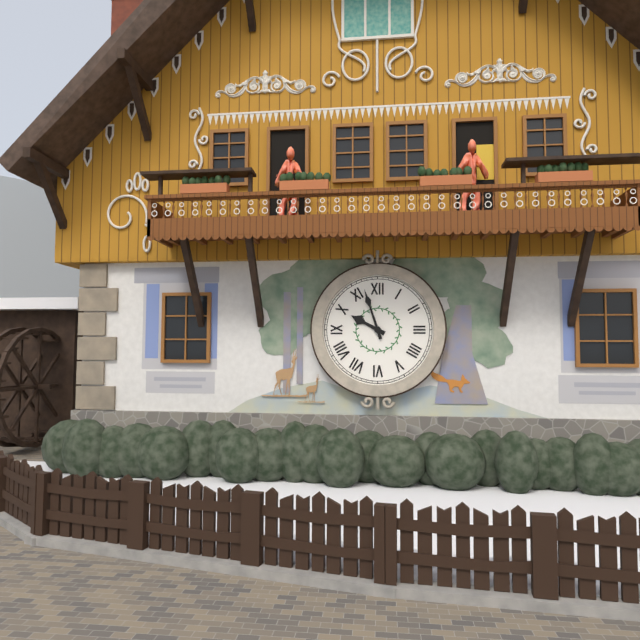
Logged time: 9:57
